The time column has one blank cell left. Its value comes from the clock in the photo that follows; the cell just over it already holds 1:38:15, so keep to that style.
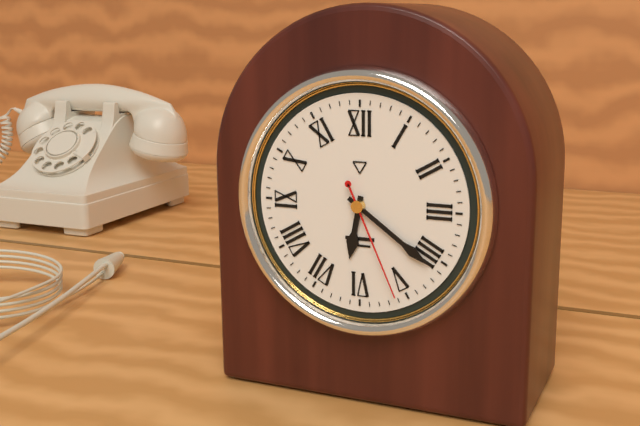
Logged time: 6:21:26
